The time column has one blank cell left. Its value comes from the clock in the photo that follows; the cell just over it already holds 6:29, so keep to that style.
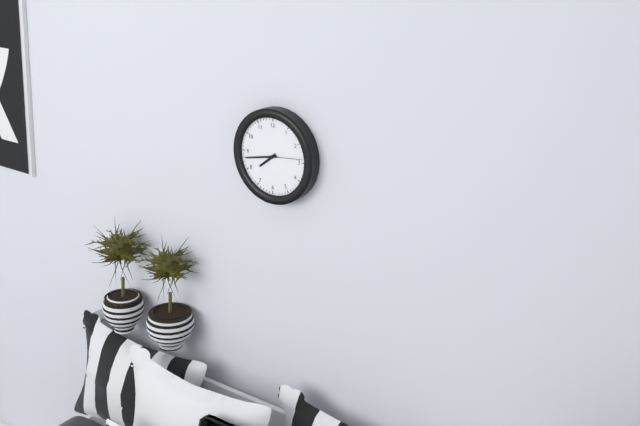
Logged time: 7:43
